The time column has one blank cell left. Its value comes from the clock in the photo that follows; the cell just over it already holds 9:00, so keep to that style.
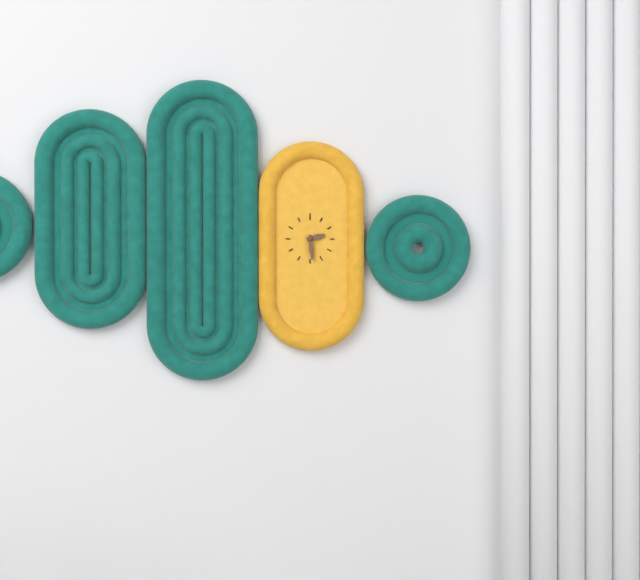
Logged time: 2:29
